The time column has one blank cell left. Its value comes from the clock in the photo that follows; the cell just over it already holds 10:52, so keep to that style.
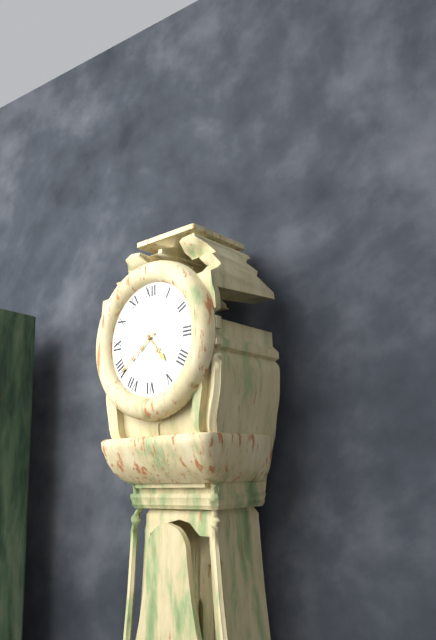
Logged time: 4:39
